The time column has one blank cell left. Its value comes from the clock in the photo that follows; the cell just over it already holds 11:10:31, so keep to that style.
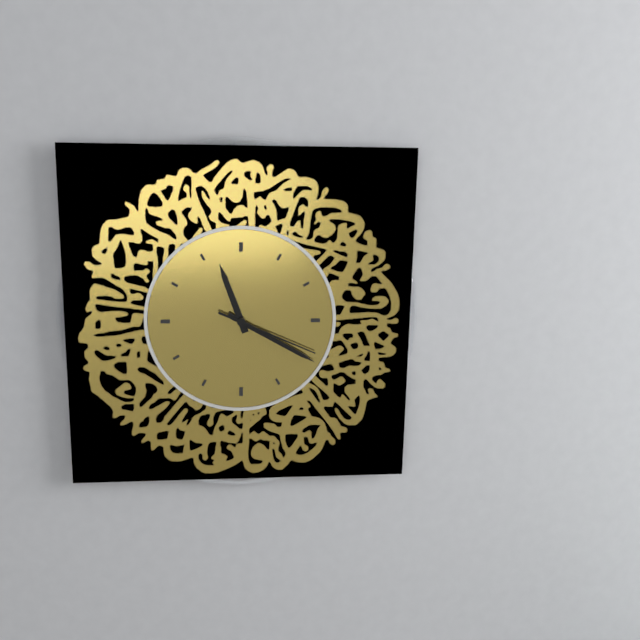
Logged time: 11:20:19
